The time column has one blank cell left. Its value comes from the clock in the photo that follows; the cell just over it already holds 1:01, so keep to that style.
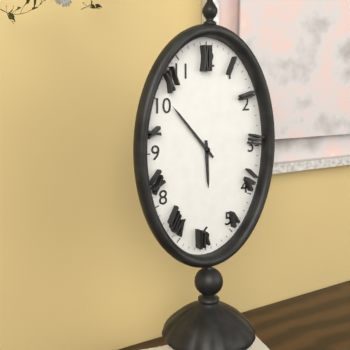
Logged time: 5:53
